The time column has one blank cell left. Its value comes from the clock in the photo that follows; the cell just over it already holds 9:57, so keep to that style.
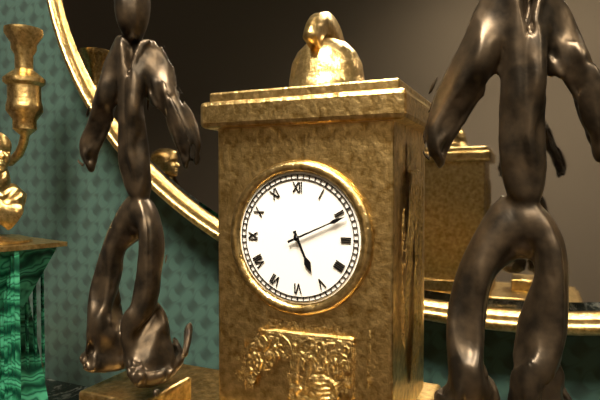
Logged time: 5:11
